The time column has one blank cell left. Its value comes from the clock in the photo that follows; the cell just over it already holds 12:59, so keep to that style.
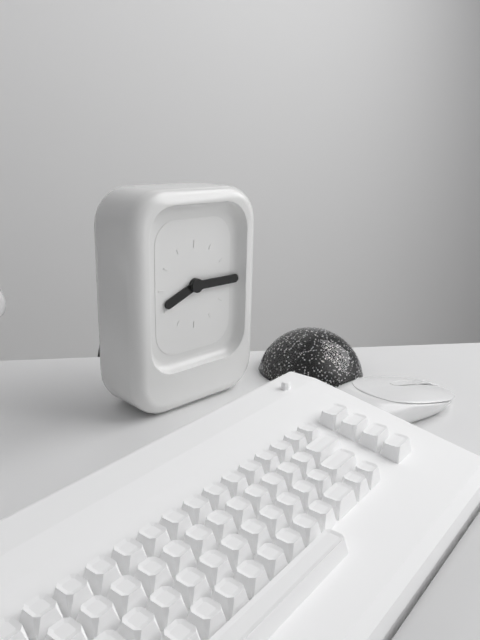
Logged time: 8:15
